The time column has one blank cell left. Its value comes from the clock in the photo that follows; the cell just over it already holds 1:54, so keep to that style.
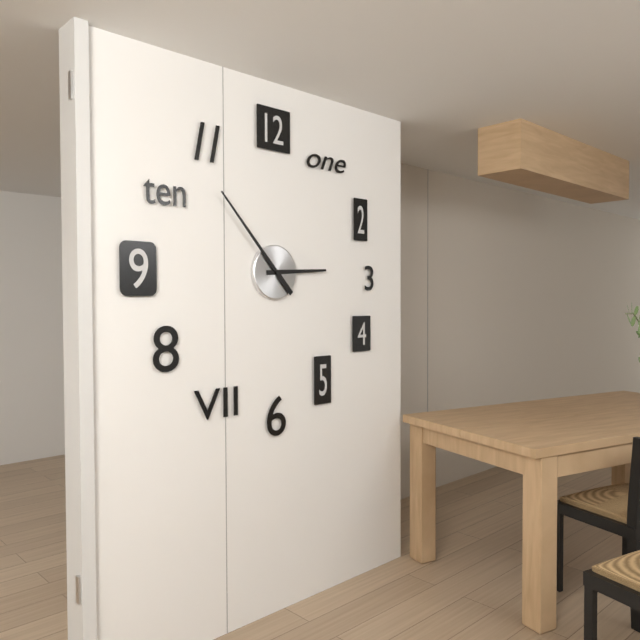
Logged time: 2:53
